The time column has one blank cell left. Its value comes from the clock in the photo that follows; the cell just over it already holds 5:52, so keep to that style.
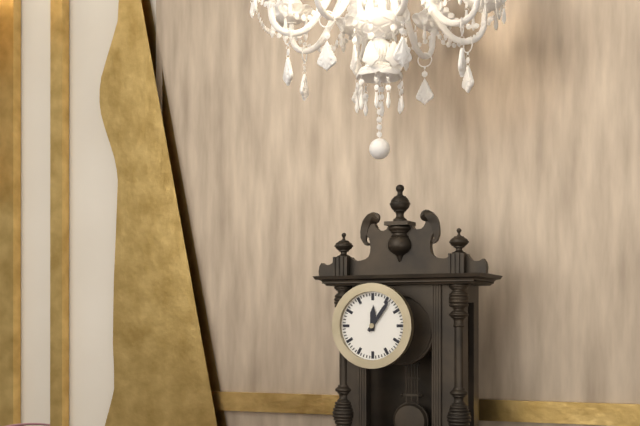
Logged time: 12:06
